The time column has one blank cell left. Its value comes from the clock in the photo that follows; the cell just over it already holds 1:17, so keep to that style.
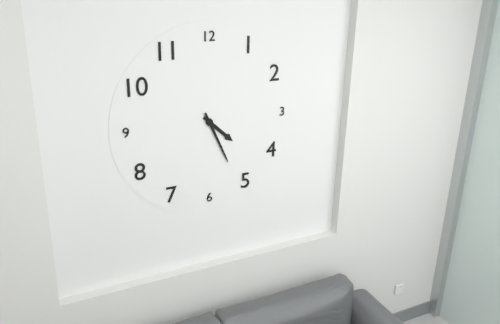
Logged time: 4:26
